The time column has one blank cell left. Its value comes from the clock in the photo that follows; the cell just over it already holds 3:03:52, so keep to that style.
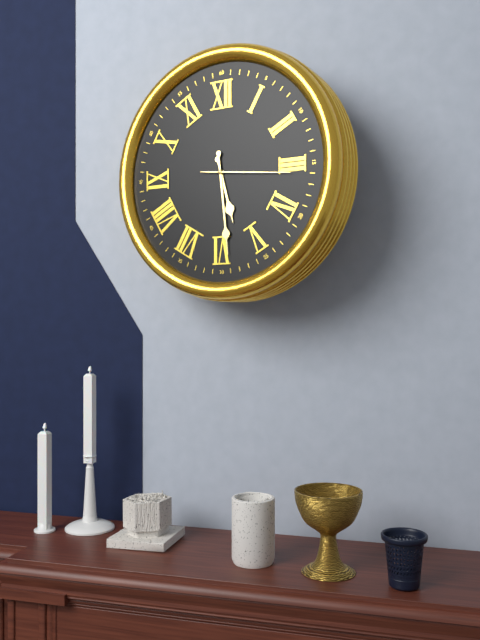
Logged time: 5:29:16
